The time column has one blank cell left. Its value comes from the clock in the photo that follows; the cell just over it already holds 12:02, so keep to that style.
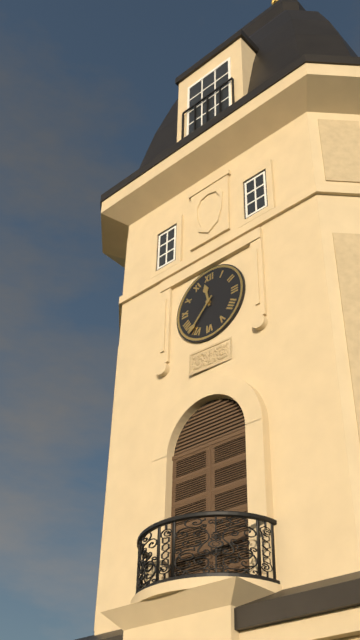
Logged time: 11:37
